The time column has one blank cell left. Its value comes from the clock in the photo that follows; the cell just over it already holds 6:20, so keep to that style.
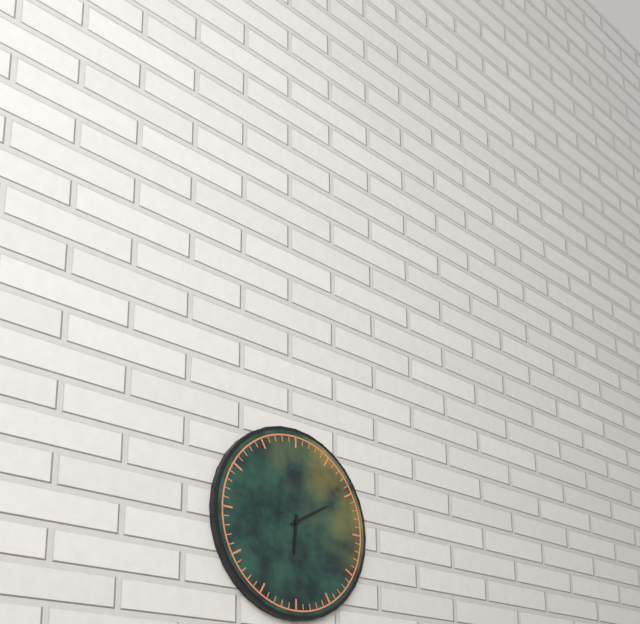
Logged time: 6:10
